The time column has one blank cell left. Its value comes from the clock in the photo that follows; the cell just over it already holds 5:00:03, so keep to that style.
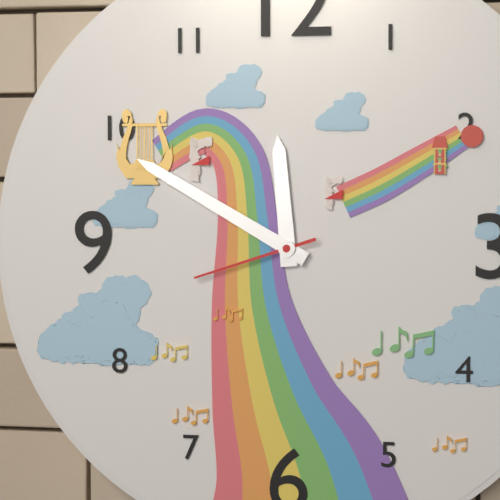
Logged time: 11:50:42
